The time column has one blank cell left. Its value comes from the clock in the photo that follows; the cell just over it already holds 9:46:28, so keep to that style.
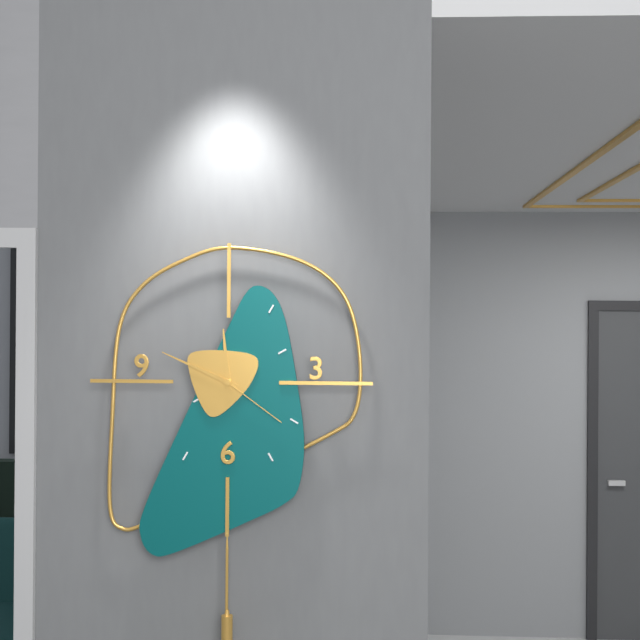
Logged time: 11:49:21
